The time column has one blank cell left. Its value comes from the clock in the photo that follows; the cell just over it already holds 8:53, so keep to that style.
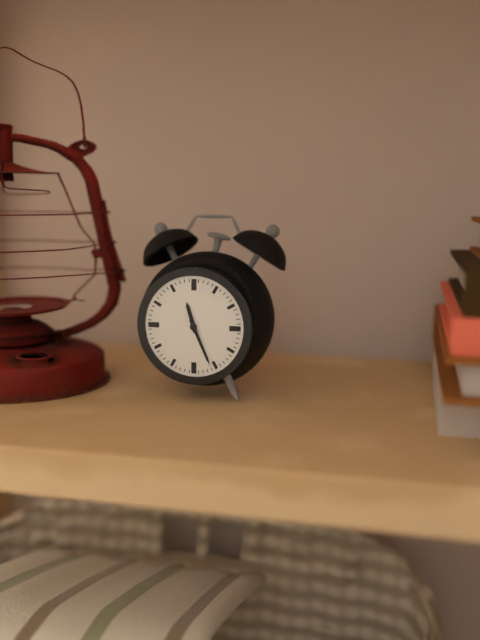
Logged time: 11:26
